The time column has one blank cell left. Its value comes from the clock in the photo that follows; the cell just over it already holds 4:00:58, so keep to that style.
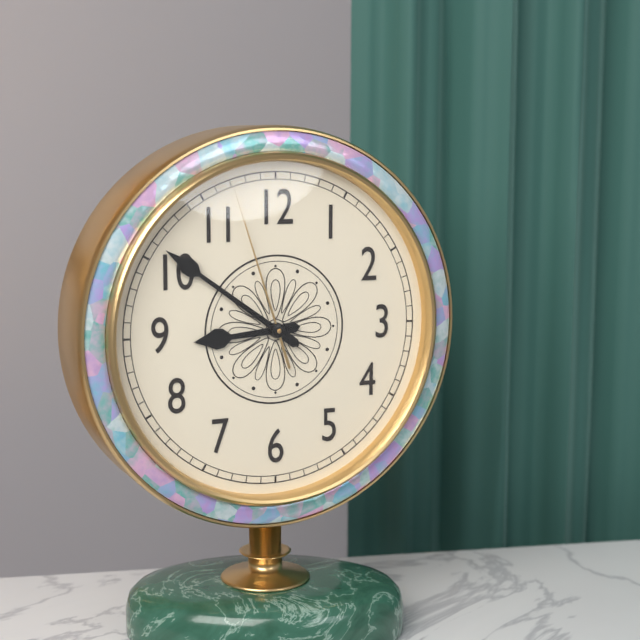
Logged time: 8:51:57
